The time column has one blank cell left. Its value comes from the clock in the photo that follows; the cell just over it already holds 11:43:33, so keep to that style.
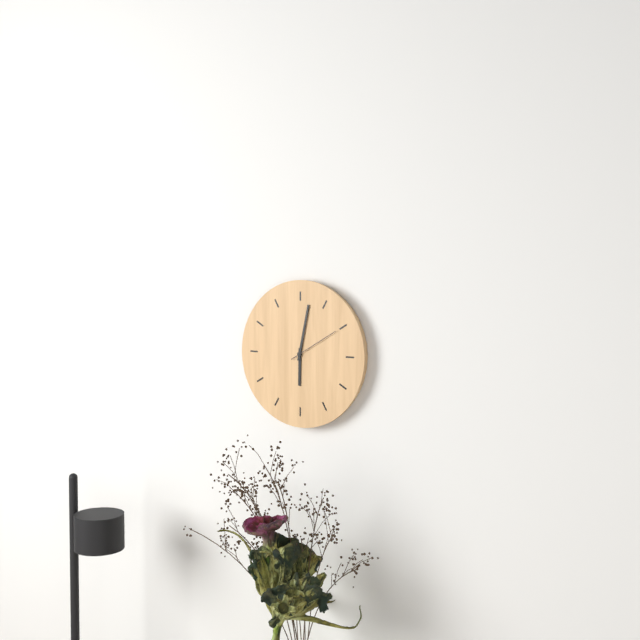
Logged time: 6:02:10
